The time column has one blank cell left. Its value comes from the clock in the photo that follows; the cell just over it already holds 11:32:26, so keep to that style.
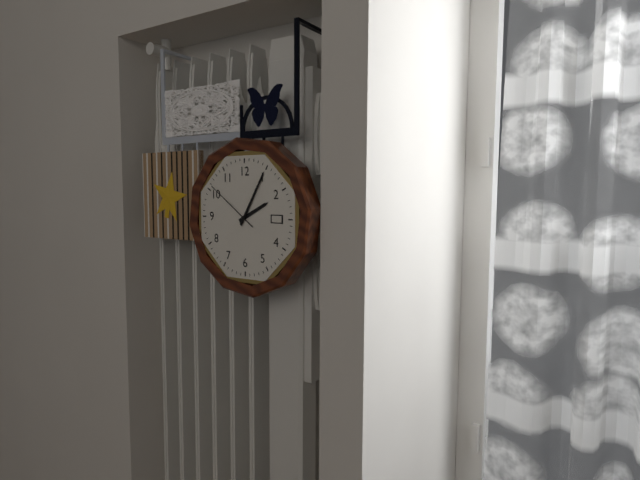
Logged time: 2:05:51
